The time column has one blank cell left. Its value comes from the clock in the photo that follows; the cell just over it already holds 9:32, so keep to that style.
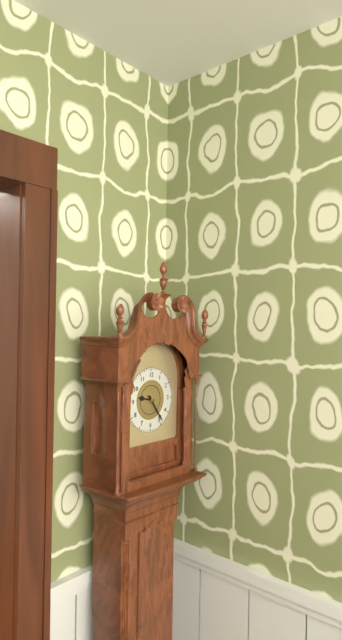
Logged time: 9:24
